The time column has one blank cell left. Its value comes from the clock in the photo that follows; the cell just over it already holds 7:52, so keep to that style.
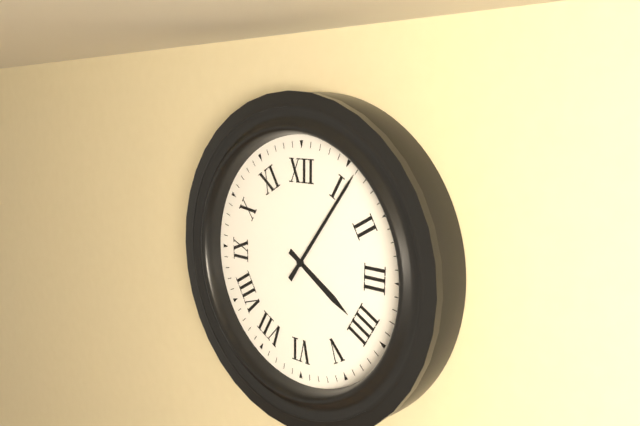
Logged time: 4:06
